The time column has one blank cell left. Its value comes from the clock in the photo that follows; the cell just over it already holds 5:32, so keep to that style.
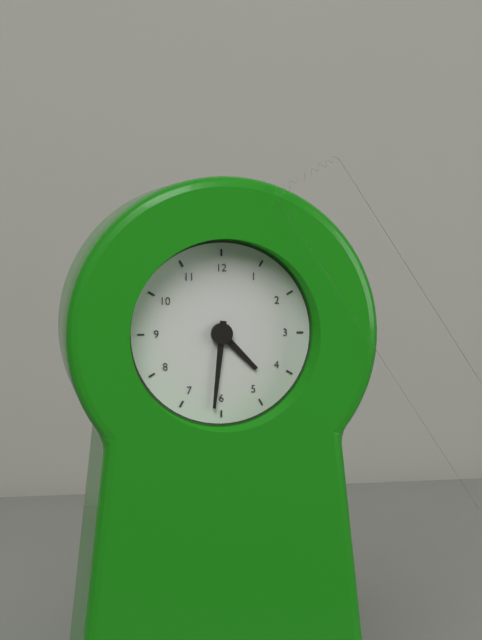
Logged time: 4:31
